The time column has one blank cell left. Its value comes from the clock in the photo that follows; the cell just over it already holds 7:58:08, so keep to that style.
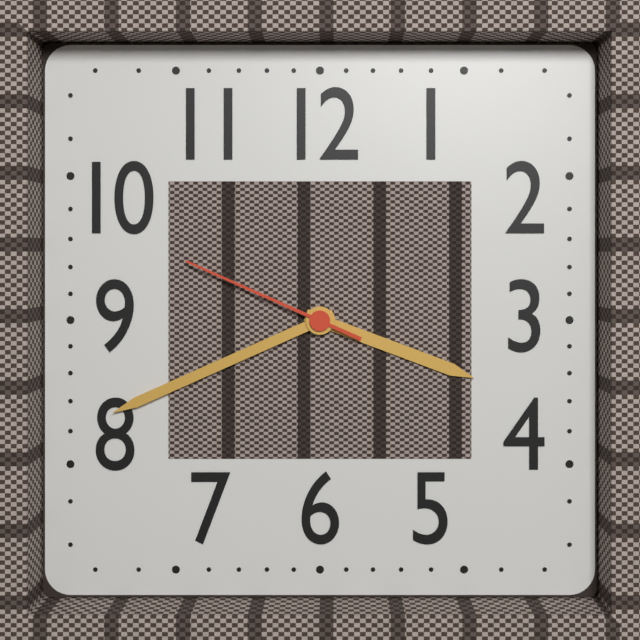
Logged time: 3:41:49
